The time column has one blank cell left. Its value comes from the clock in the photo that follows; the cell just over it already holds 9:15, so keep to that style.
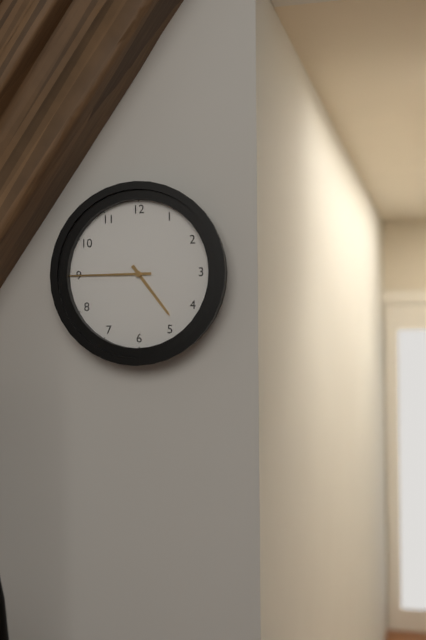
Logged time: 4:45
